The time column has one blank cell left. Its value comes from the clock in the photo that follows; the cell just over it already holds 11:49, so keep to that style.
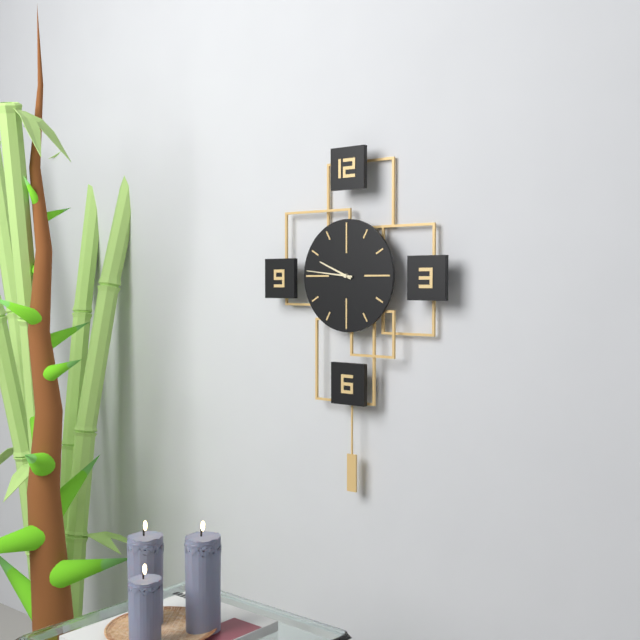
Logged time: 9:46
